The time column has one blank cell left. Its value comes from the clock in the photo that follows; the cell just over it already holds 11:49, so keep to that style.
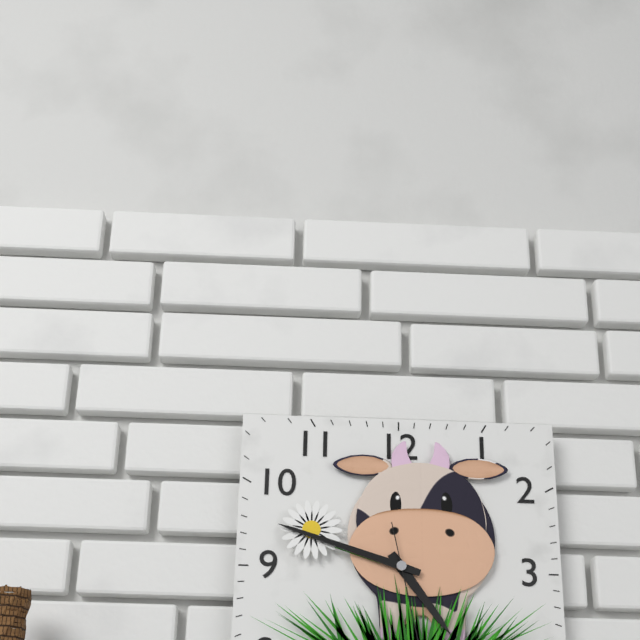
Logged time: 4:48
